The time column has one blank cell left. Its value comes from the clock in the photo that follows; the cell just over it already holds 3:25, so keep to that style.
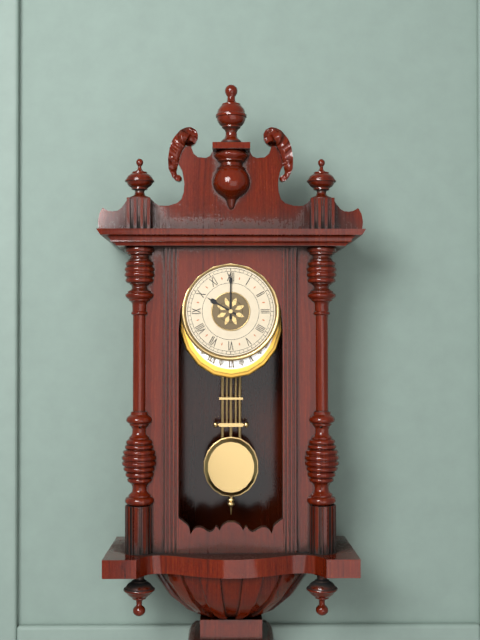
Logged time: 10:00
